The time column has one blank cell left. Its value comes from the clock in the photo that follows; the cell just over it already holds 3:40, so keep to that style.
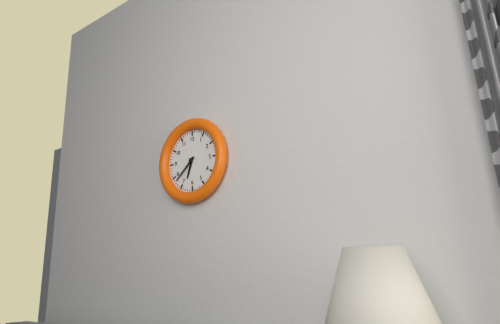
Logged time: 6:38
